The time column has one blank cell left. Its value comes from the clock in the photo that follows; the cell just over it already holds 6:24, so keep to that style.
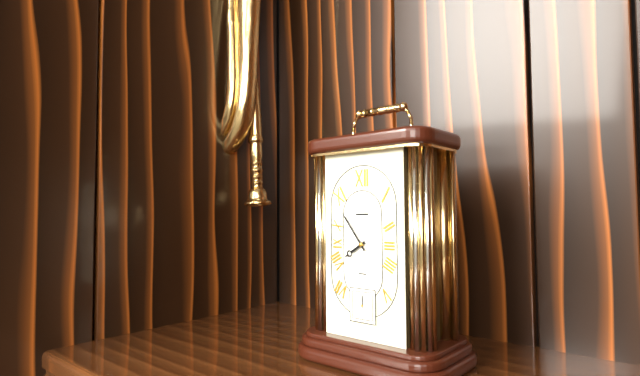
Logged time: 7:54
